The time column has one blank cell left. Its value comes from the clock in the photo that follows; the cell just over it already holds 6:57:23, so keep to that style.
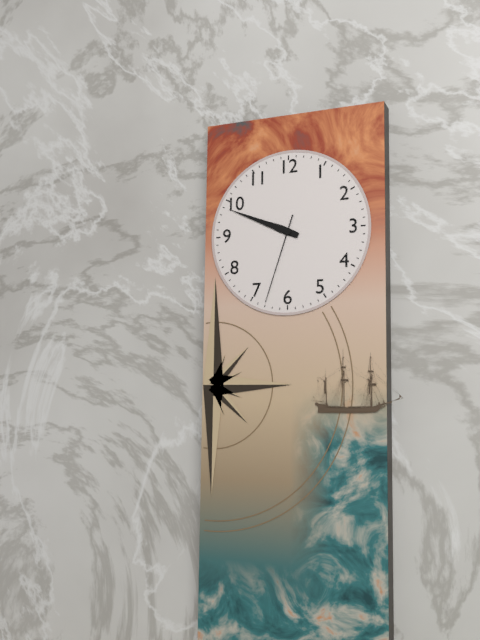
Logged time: 9:49:33
